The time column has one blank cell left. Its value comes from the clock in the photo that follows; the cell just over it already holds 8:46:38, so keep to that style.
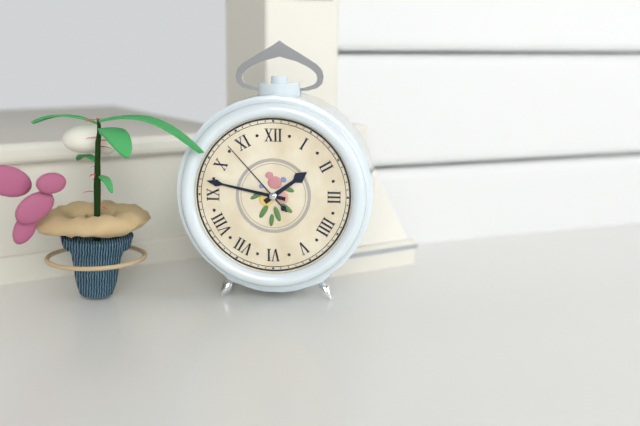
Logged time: 1:47:53
